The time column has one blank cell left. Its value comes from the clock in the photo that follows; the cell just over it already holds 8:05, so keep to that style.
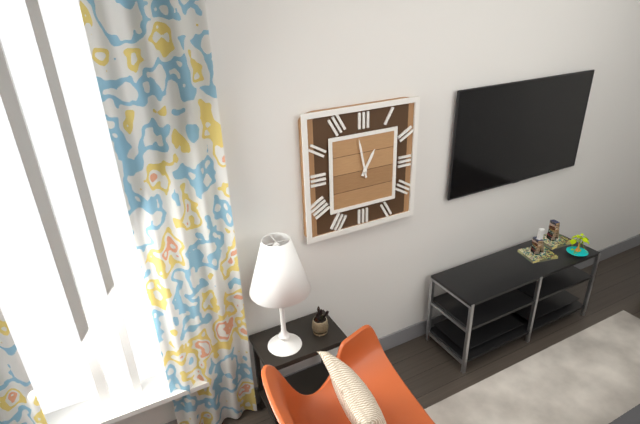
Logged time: 12:58
